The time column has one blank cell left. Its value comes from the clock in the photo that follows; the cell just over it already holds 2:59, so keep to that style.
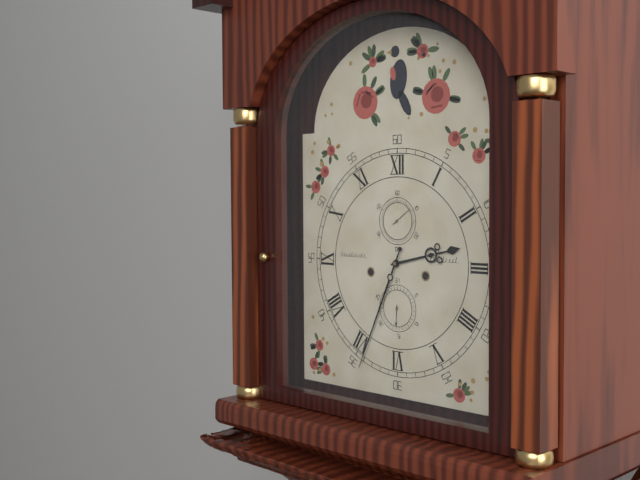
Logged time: 2:34
